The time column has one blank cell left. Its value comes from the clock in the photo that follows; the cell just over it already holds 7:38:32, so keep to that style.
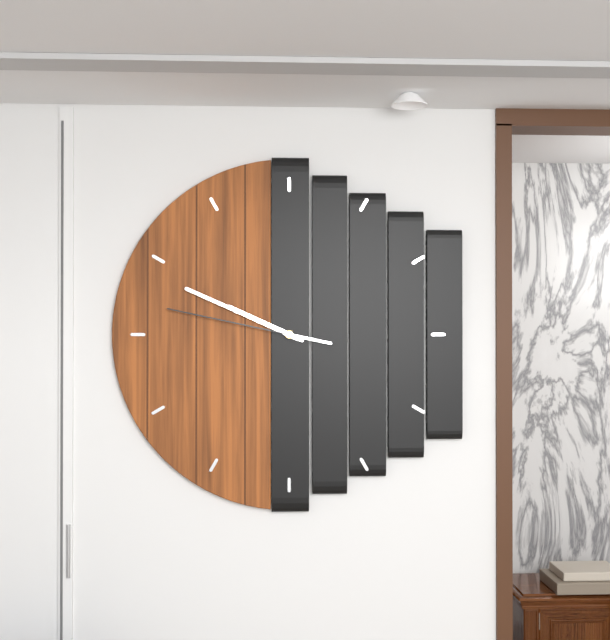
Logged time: 9:49:47
